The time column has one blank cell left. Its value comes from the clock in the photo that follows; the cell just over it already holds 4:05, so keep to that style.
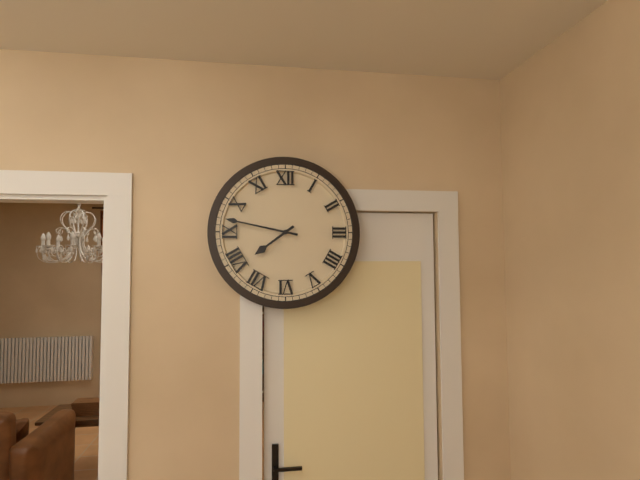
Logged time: 7:47
